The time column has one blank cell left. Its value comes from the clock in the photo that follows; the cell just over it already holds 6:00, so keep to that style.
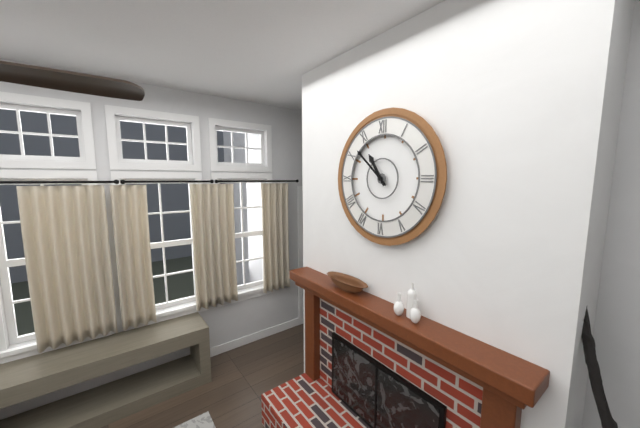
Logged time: 10:52
